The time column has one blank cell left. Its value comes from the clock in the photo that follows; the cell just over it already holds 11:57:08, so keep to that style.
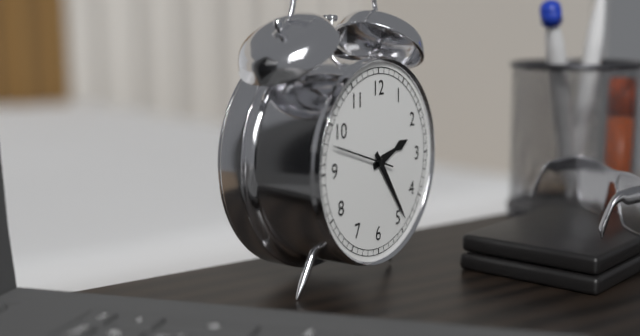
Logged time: 2:24:48
